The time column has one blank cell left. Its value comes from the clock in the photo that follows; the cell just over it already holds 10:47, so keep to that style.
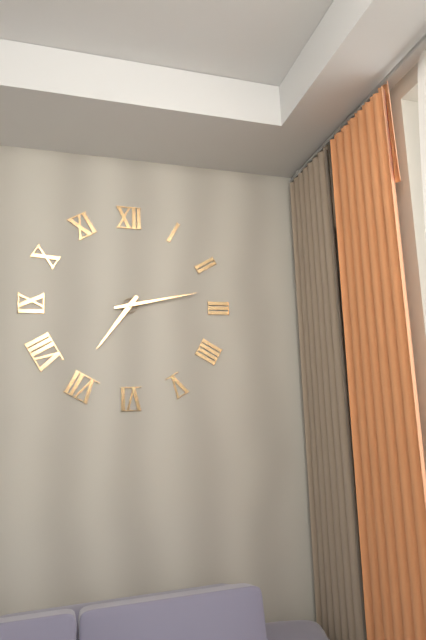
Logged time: 7:13
